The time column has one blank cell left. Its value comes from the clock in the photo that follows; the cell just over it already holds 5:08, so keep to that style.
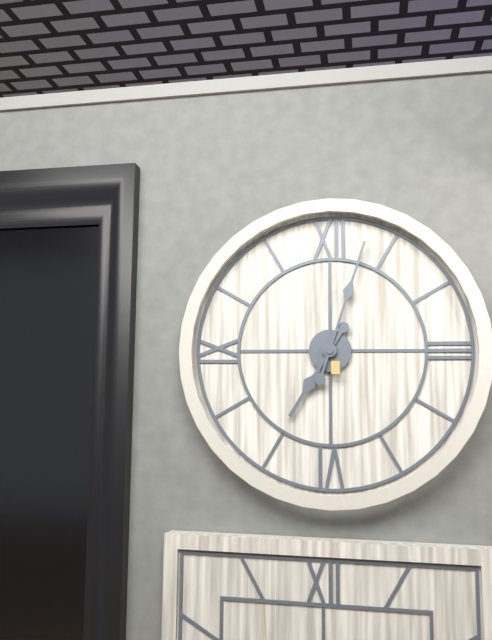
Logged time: 7:03
